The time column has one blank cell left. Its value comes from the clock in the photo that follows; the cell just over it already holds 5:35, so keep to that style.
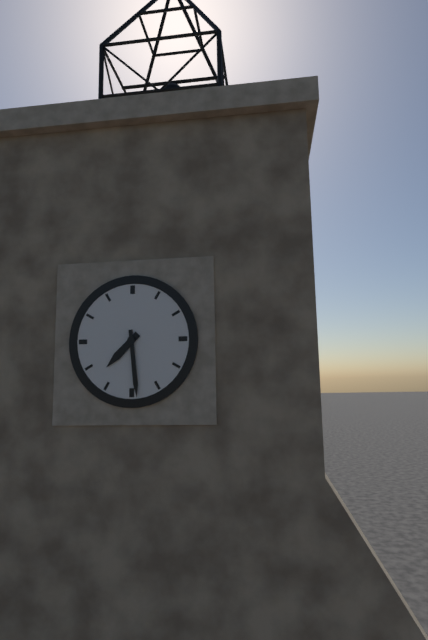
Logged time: 7:29
